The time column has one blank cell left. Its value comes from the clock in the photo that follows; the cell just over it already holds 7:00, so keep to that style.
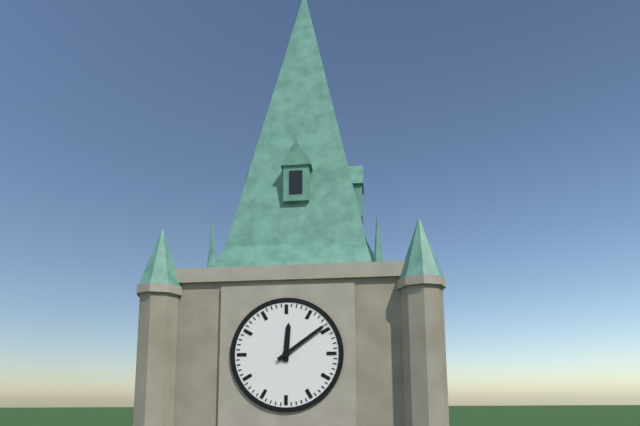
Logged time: 12:09
